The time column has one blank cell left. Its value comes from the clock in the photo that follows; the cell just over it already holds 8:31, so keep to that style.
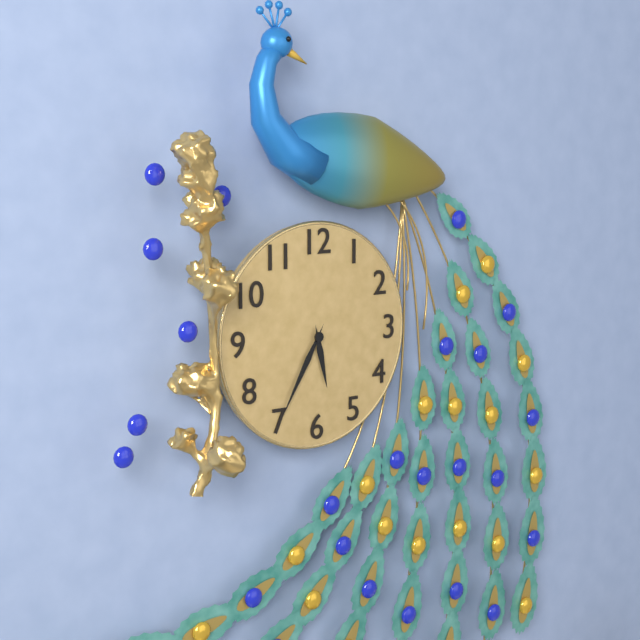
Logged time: 5:35
